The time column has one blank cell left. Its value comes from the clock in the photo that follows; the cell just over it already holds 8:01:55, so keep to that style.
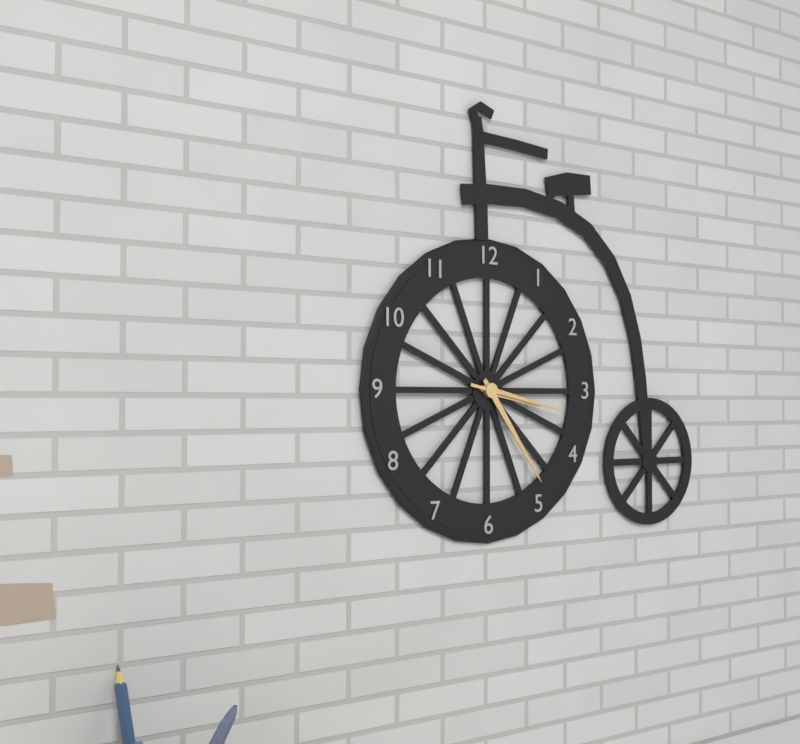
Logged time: 3:24:17
